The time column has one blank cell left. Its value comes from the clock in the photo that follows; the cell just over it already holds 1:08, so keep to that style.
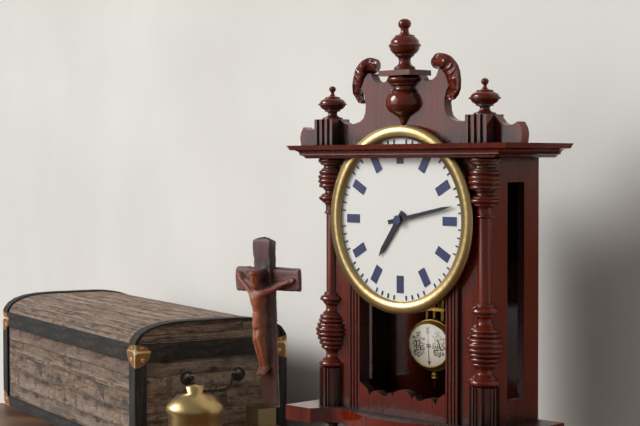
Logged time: 7:13
